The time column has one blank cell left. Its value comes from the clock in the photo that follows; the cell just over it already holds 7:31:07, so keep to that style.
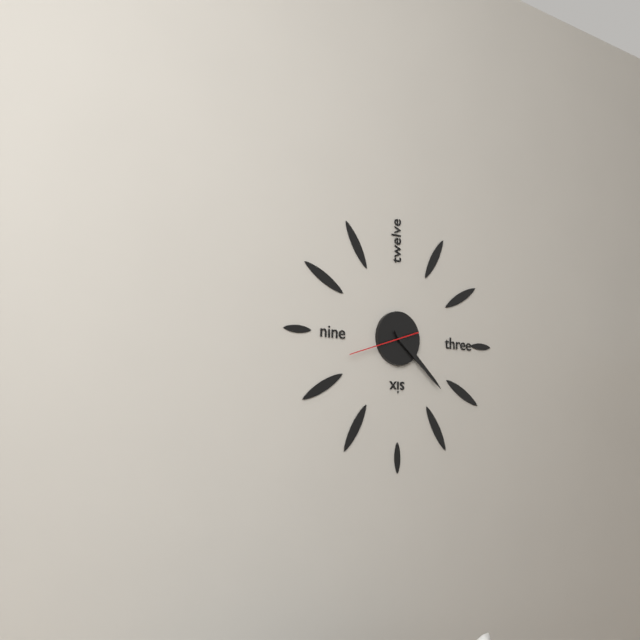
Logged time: 4:22:42
